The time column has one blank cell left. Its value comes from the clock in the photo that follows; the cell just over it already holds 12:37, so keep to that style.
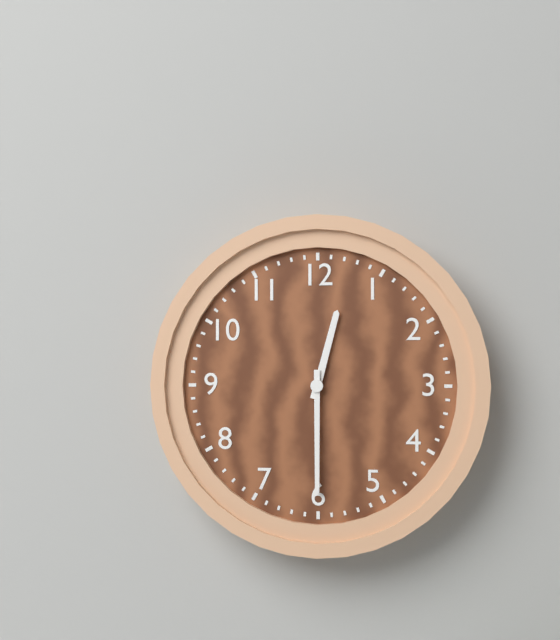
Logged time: 12:30
